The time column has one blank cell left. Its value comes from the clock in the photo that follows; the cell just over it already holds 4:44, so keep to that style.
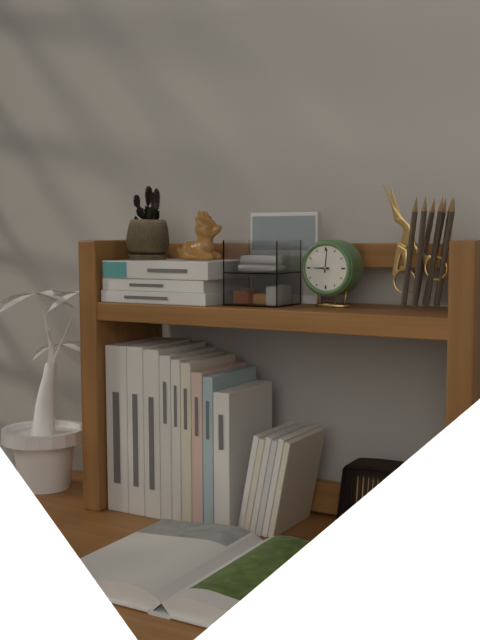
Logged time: 9:01
